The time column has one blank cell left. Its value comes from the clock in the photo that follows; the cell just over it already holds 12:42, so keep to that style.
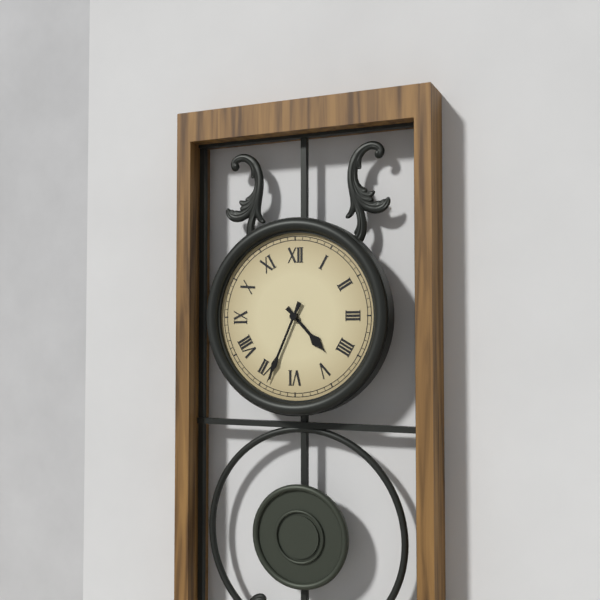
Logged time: 4:34
